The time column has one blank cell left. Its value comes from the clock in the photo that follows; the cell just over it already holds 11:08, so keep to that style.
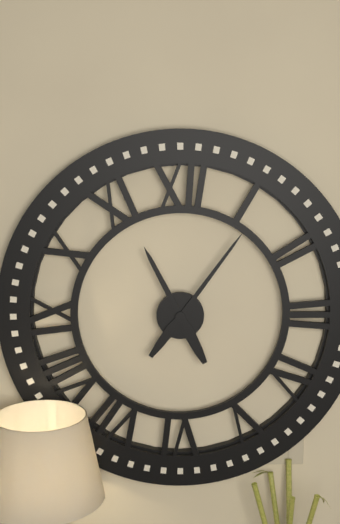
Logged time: 11:06
